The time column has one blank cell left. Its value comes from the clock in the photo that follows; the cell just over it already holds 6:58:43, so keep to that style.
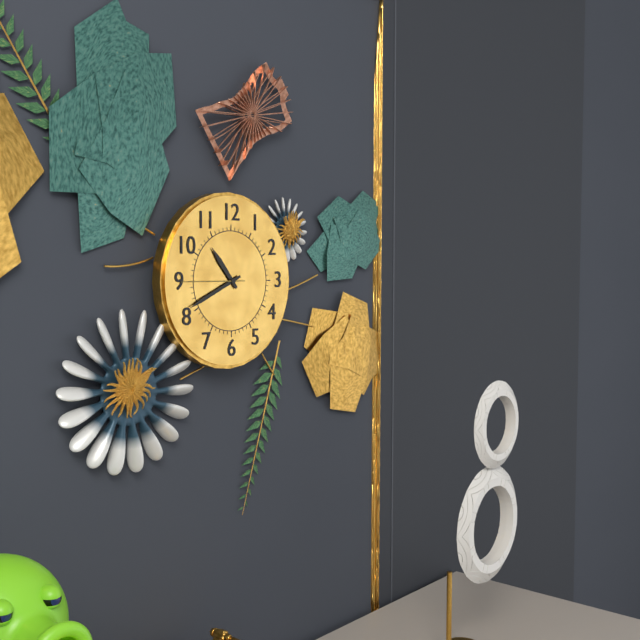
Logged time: 10:41:45
